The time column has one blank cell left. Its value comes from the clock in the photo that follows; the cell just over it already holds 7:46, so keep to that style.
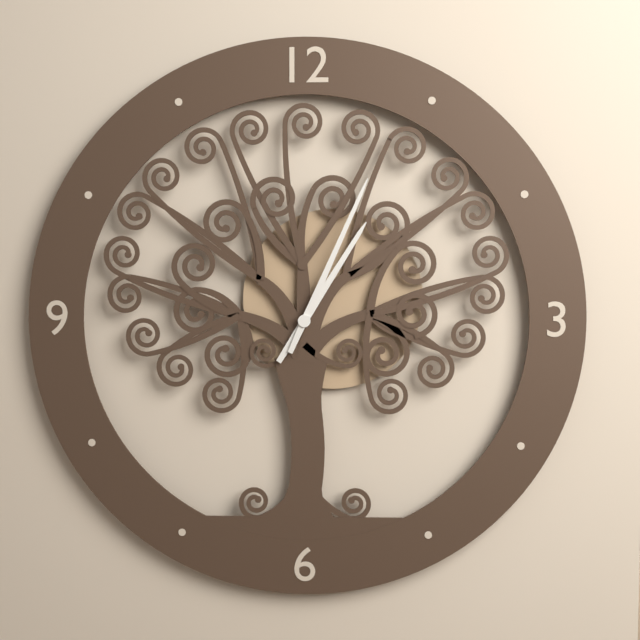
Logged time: 1:04
